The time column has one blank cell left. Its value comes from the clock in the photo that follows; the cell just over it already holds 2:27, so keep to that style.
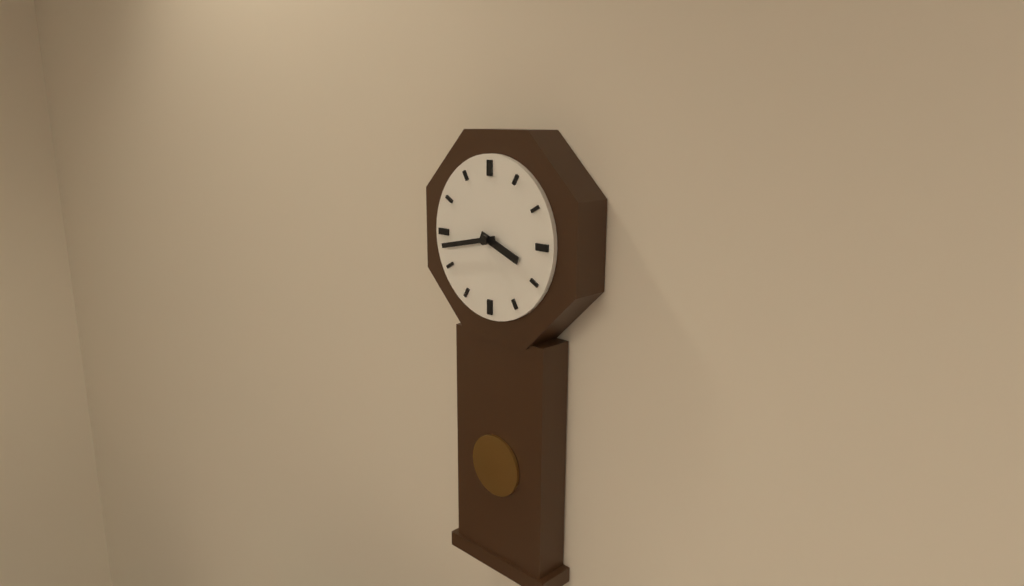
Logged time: 3:43
